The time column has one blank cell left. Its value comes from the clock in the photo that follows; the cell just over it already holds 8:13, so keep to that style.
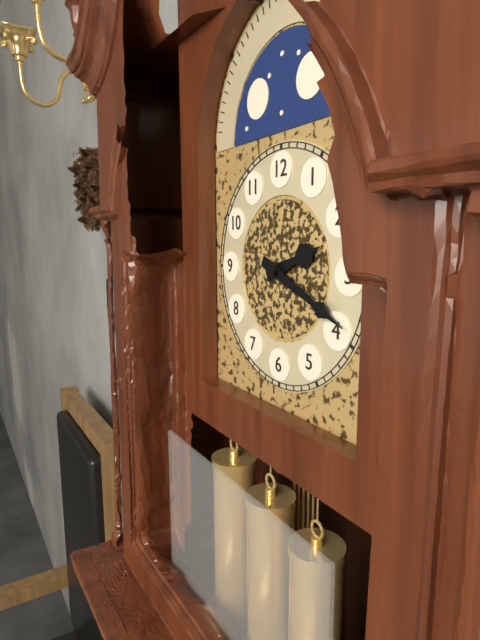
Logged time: 2:19
